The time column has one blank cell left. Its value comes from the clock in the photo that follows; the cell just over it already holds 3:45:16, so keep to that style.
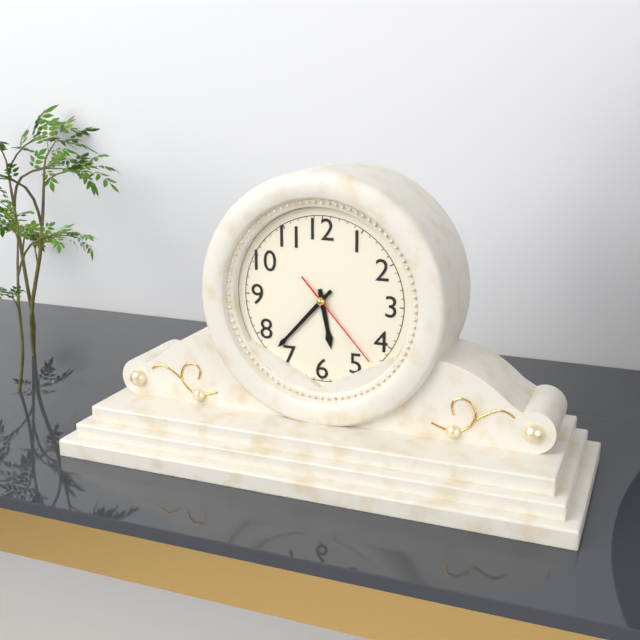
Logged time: 5:37:23
